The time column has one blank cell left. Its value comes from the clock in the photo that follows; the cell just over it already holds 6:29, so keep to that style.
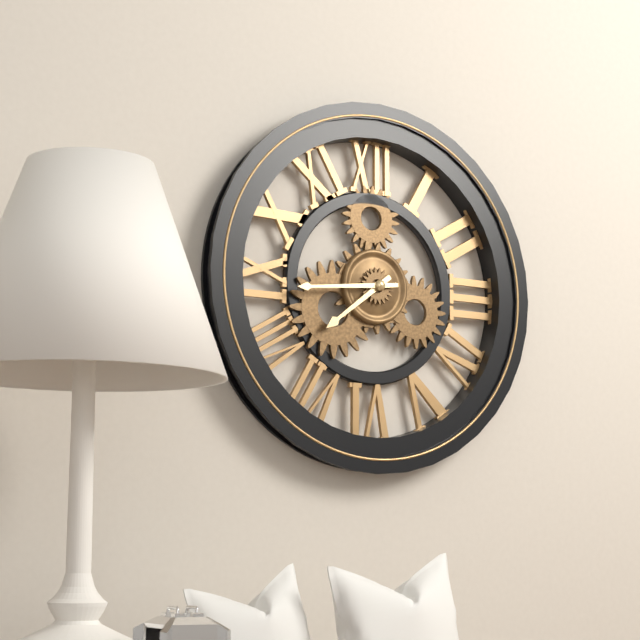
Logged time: 7:44
